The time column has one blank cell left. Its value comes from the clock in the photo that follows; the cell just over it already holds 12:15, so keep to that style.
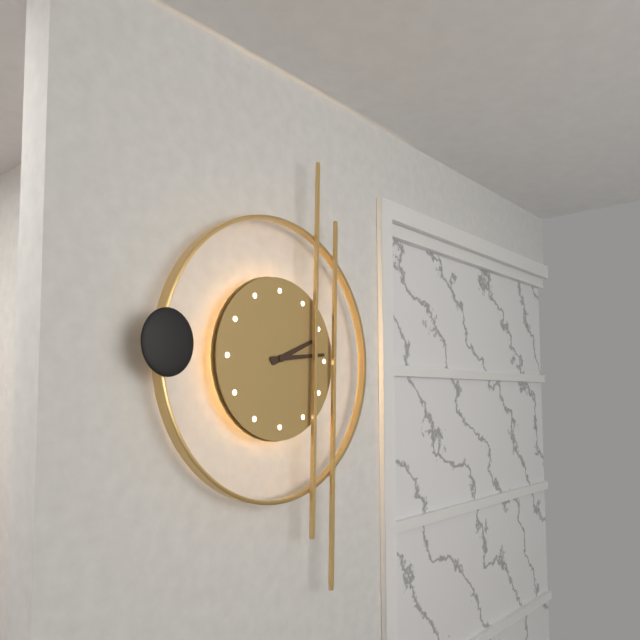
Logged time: 2:14
